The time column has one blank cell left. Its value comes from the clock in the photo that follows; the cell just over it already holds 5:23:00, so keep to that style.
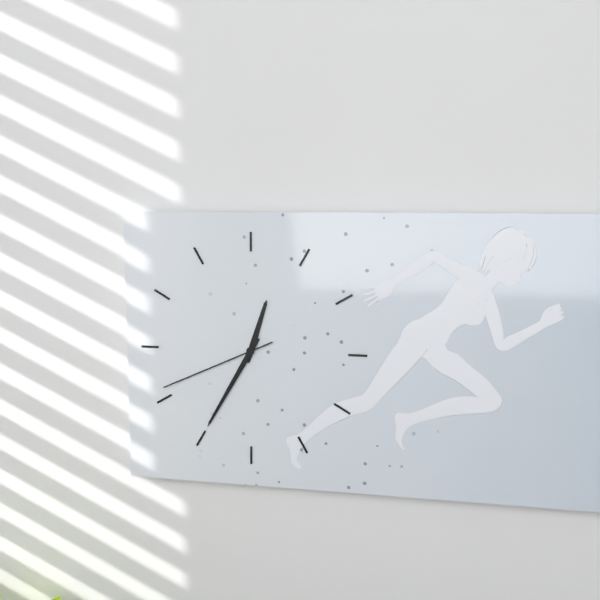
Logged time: 12:35:41
